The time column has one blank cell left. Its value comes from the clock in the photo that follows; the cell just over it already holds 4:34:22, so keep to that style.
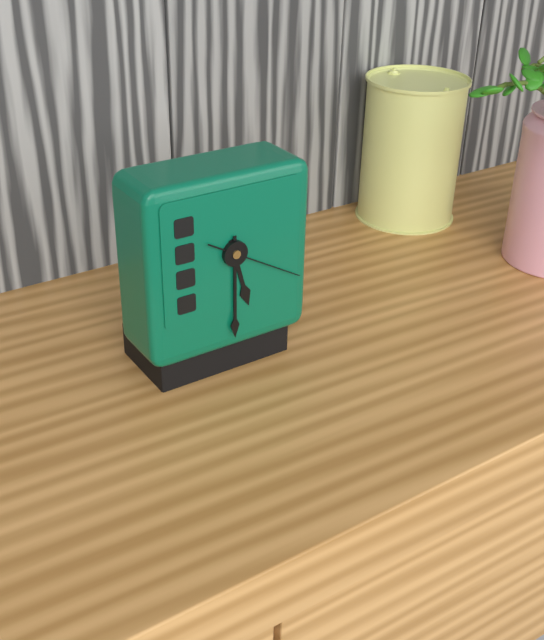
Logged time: 5:30:20
